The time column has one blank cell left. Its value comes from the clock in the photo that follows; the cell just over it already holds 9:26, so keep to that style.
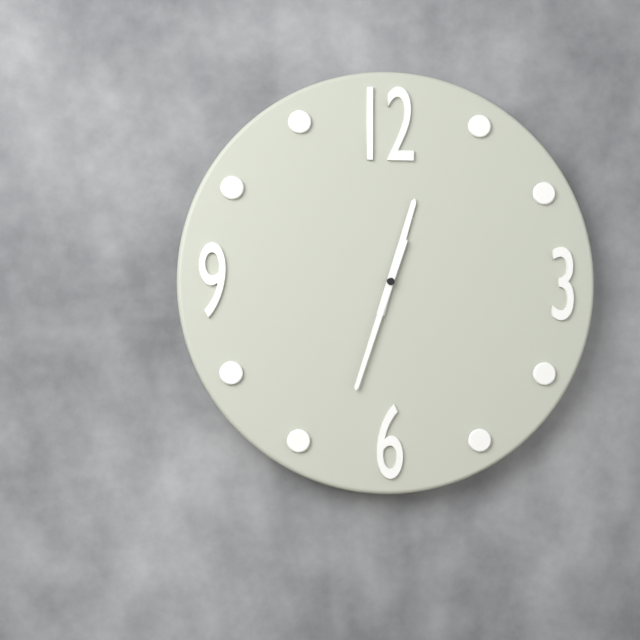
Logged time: 12:33
